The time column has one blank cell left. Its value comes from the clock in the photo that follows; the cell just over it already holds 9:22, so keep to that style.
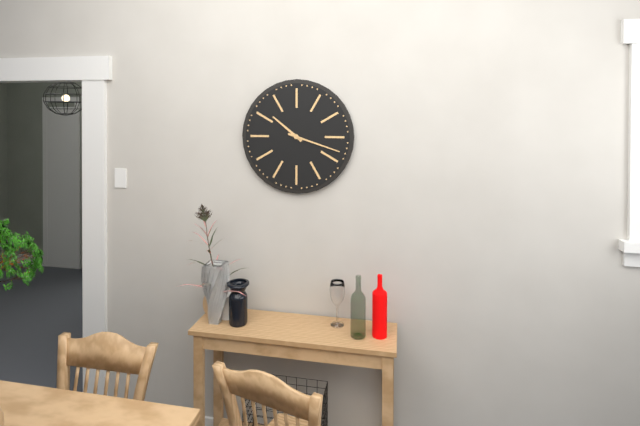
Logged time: 10:18
